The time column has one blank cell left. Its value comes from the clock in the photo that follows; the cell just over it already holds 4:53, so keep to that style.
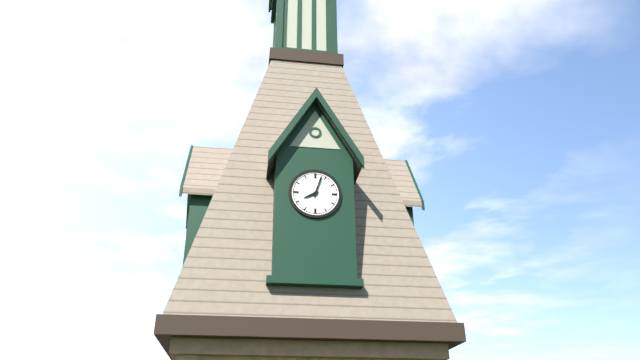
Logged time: 8:03
